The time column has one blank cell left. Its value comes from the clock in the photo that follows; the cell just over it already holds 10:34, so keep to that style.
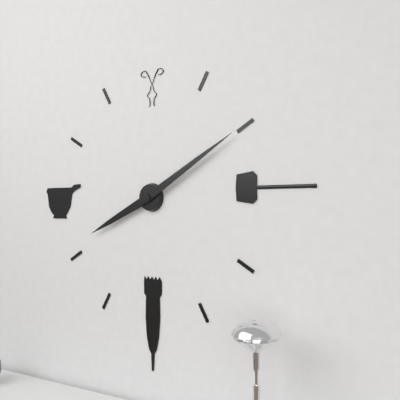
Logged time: 8:10
